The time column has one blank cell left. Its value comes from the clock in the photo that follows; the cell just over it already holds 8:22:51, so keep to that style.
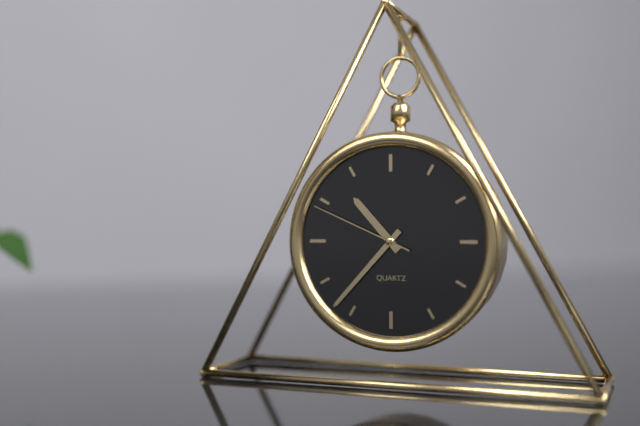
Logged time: 10:37:49
